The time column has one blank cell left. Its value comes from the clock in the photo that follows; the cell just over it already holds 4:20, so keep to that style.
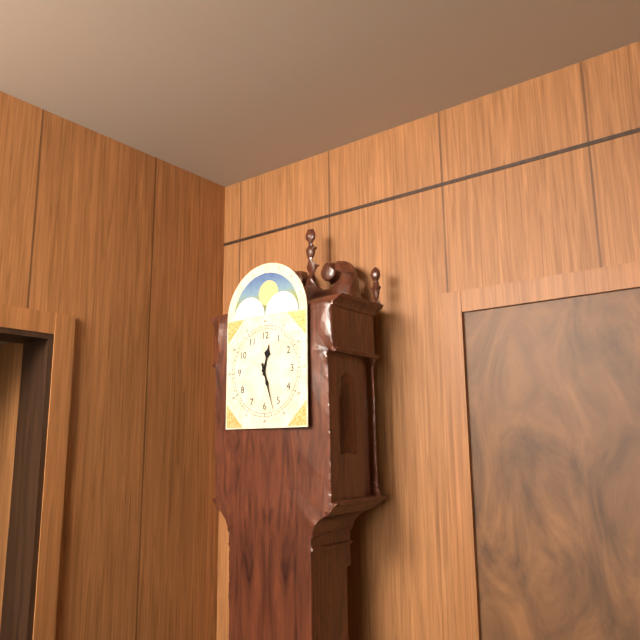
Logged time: 12:27
